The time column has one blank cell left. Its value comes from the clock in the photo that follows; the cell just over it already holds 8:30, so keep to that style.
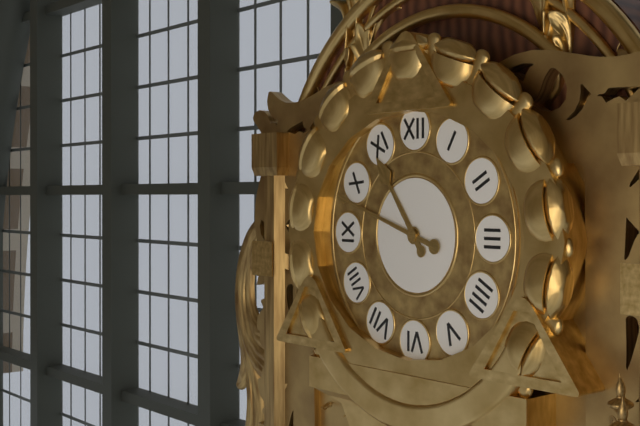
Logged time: 10:48
